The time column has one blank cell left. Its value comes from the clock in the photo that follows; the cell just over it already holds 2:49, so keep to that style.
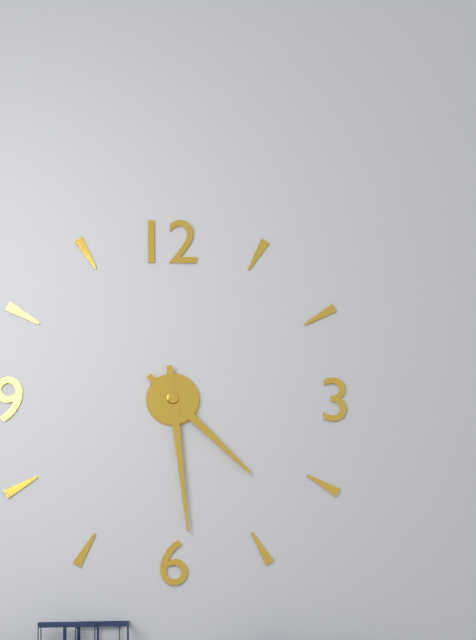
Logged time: 4:29
